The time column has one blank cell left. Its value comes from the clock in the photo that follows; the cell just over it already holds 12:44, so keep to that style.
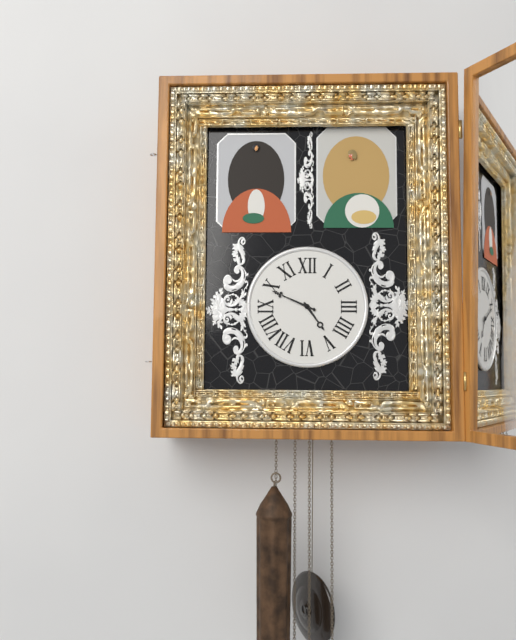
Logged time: 4:49
